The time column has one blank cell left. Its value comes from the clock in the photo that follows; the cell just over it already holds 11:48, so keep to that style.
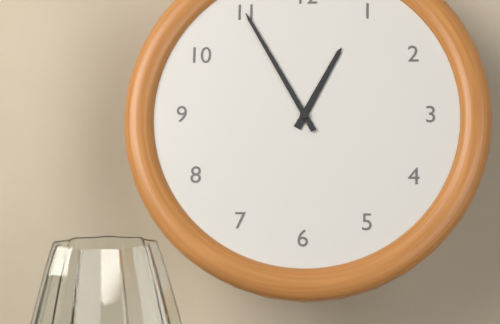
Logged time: 12:55
